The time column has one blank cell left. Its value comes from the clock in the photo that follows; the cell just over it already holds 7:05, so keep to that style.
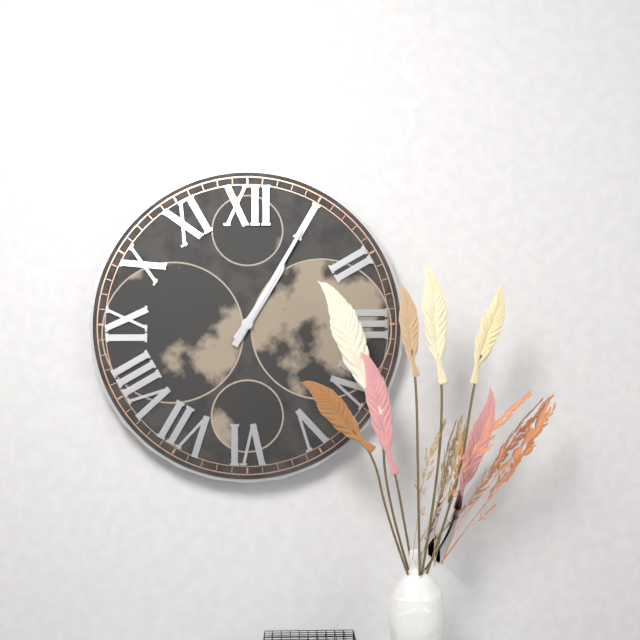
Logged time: 1:05
